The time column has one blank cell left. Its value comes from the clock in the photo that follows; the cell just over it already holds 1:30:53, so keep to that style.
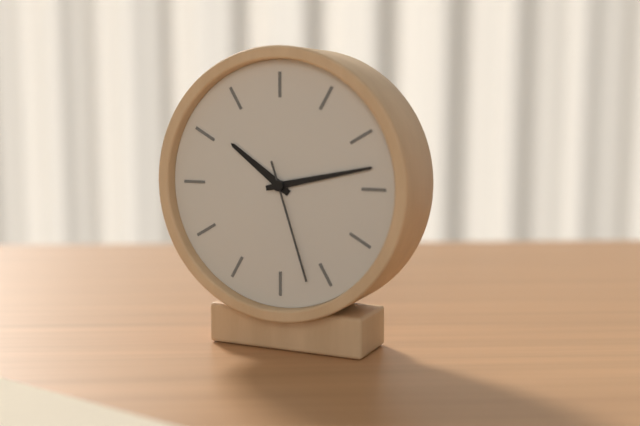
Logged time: 10:13:27
